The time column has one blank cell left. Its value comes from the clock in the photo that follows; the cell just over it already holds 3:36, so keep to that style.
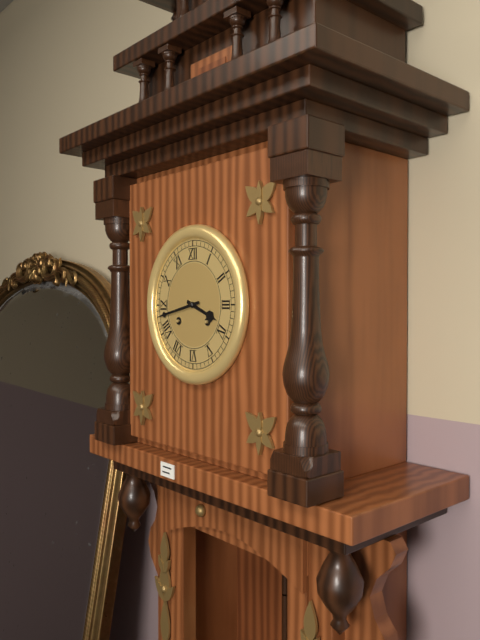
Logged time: 3:43
